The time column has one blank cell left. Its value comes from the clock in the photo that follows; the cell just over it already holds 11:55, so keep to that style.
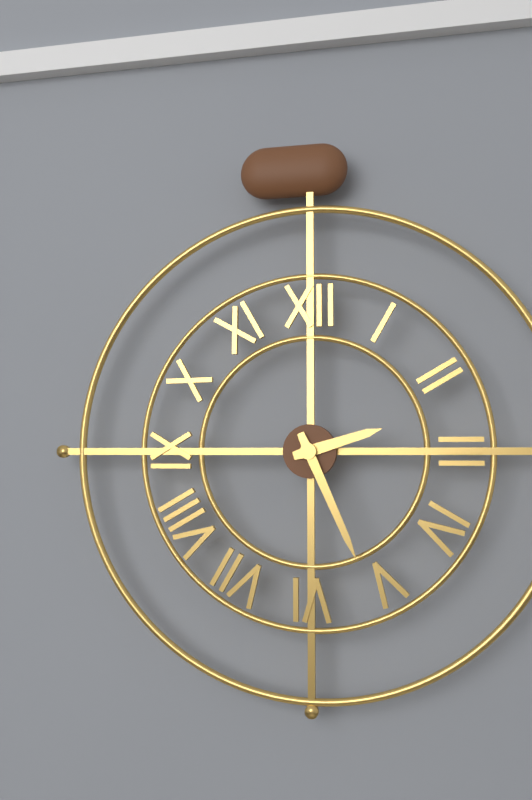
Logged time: 2:26
